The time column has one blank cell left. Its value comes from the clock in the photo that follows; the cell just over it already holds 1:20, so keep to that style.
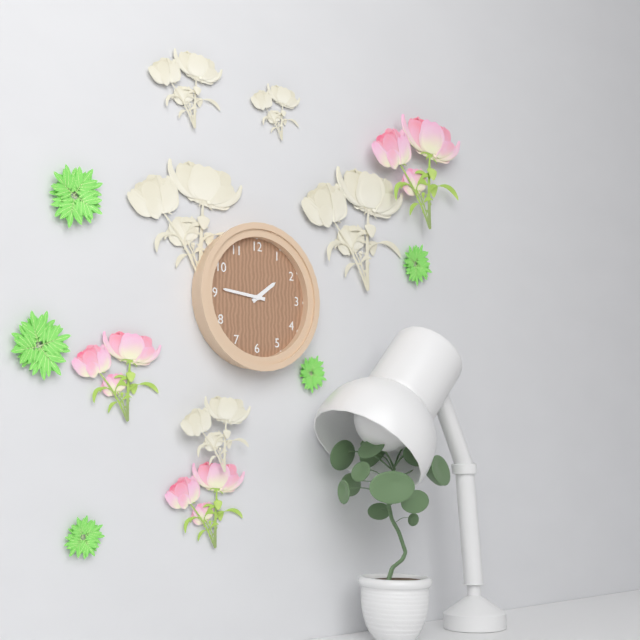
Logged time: 1:46
